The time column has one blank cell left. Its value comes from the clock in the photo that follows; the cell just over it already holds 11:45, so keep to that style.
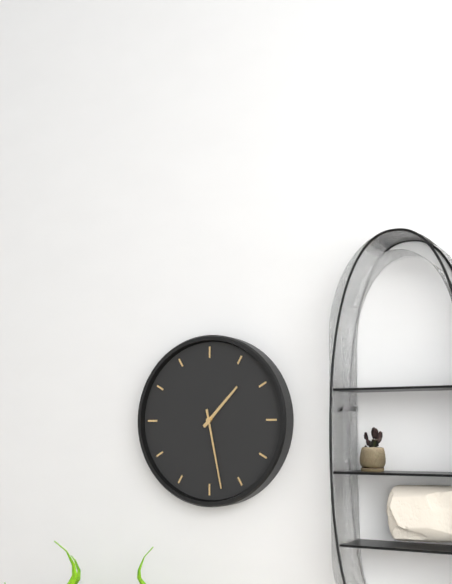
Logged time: 1:28
